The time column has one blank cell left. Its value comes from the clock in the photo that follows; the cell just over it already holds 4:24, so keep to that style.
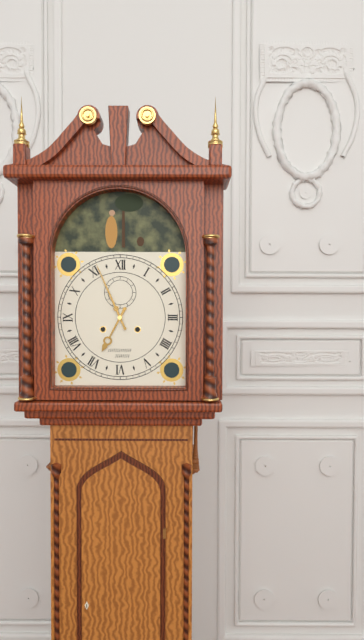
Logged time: 6:56
